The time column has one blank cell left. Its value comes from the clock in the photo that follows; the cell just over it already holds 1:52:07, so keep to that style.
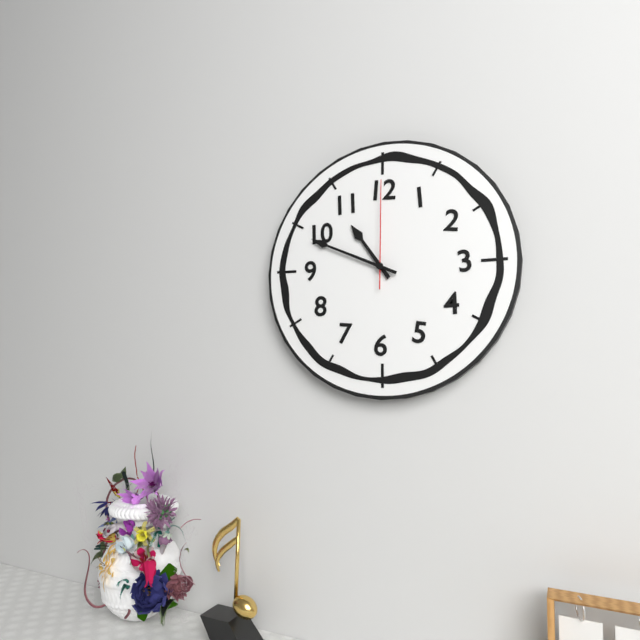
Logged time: 10:49:00
